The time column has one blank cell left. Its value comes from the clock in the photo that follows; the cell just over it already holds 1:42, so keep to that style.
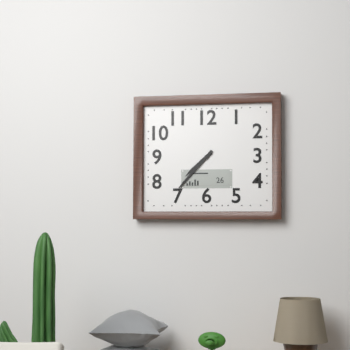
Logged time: 7:37
